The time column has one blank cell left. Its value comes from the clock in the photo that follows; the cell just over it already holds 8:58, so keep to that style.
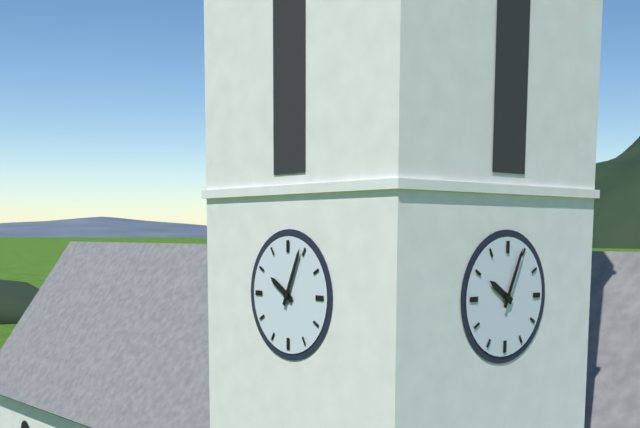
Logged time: 10:04
